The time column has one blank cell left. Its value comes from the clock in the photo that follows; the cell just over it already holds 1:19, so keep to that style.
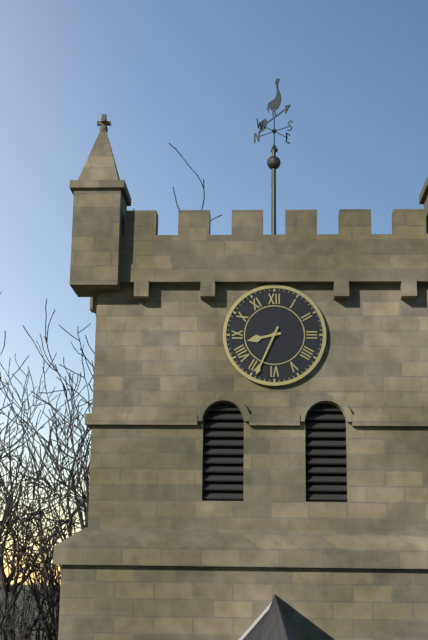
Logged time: 8:34
